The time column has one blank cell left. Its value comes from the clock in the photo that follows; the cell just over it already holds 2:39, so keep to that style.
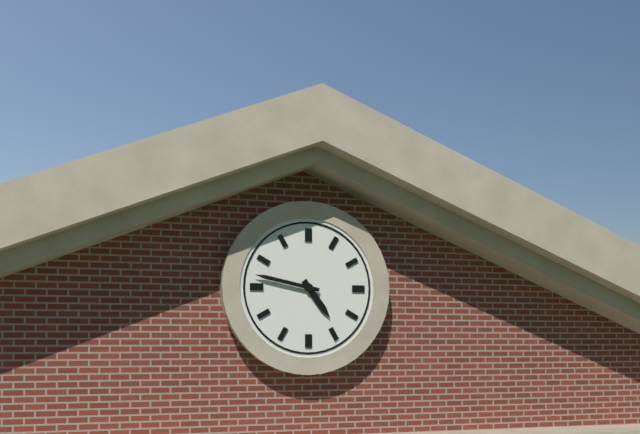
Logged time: 4:47
